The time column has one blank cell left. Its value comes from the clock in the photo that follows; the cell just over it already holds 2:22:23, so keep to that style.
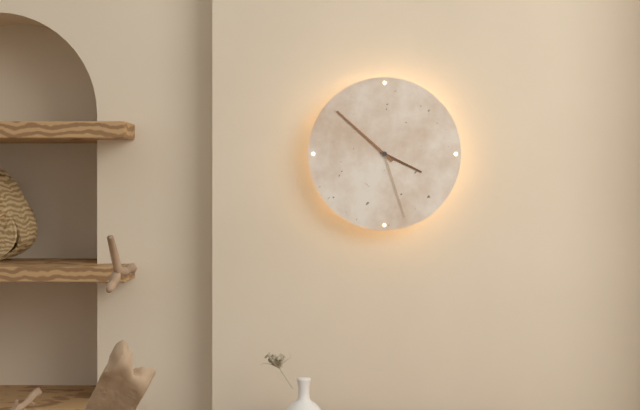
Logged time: 3:52:27
